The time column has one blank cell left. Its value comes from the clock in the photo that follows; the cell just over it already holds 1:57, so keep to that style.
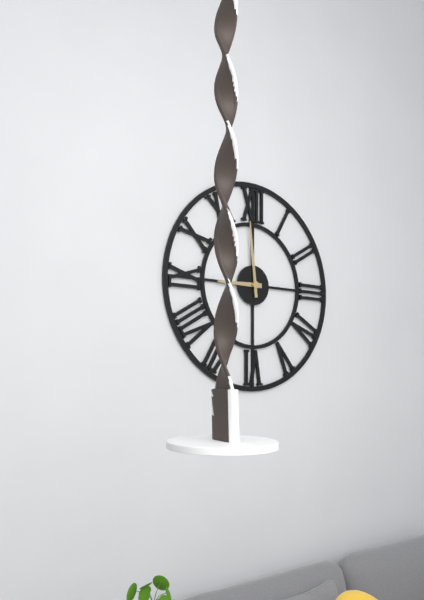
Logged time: 8:59
